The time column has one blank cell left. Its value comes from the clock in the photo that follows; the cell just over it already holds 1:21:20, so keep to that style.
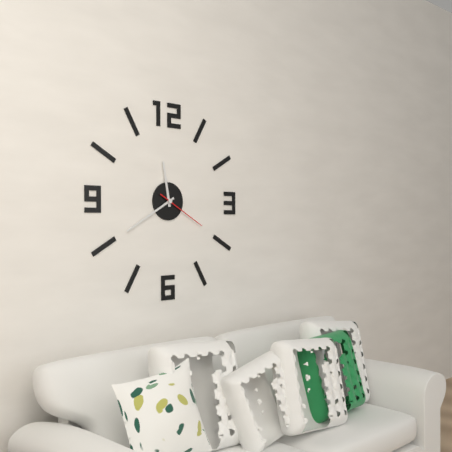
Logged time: 11:40:20
